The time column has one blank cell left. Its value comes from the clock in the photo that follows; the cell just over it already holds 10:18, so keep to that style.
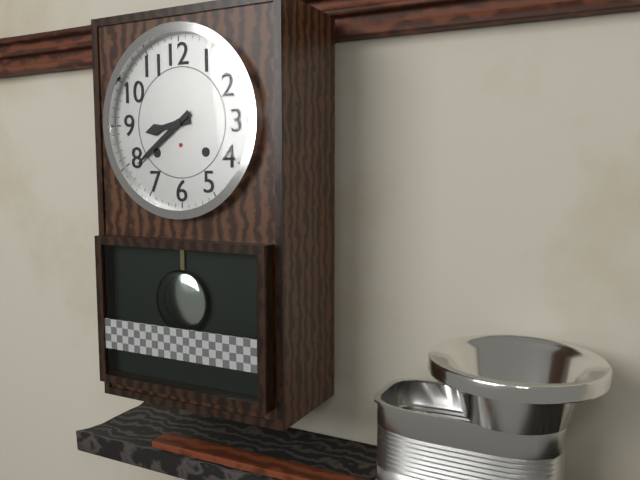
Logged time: 8:39
